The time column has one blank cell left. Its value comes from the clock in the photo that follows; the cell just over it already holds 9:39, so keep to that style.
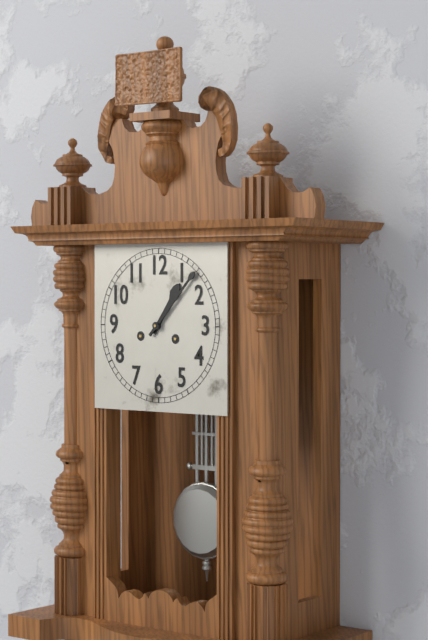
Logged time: 1:07
